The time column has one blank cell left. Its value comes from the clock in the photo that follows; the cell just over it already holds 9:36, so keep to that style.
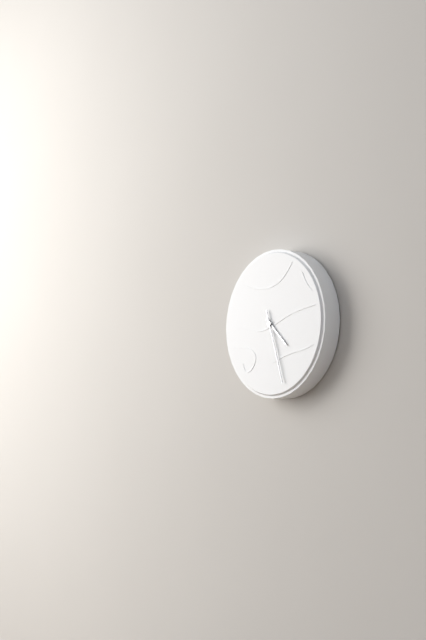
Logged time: 4:27
